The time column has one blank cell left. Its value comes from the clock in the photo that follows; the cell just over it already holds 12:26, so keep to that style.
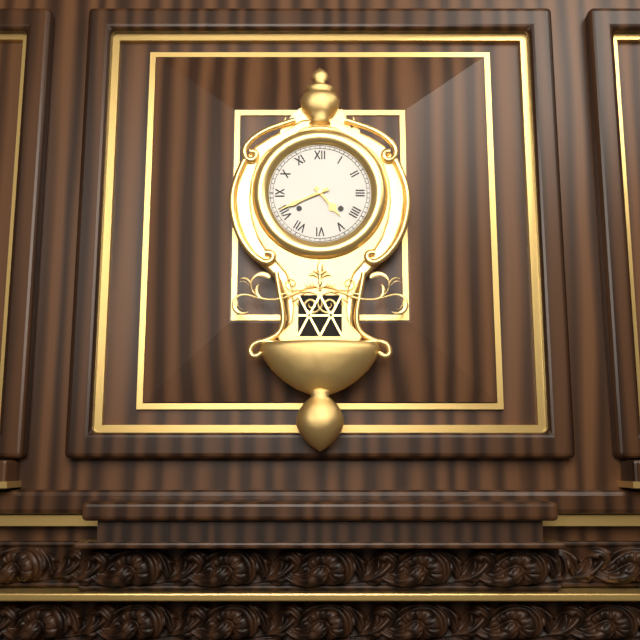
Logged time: 4:41
